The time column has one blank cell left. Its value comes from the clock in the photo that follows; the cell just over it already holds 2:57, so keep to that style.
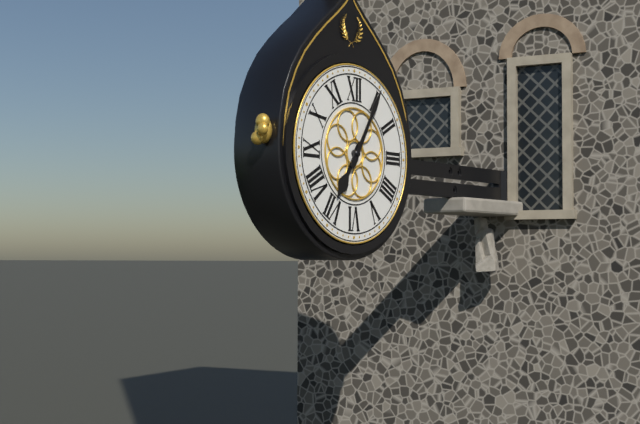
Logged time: 7:05
